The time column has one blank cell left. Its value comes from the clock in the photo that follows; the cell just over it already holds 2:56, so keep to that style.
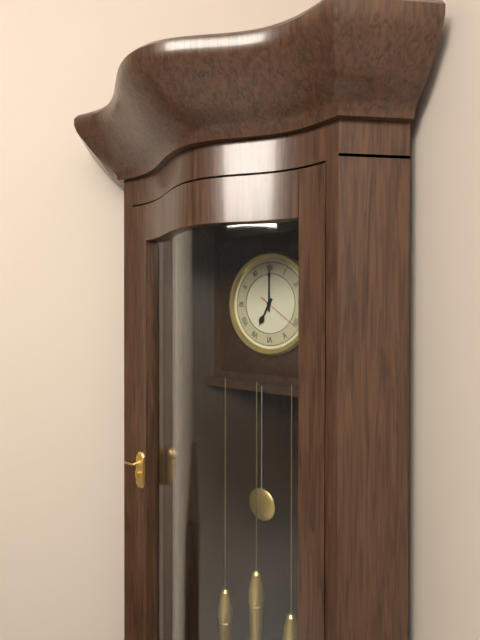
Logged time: 7:00
